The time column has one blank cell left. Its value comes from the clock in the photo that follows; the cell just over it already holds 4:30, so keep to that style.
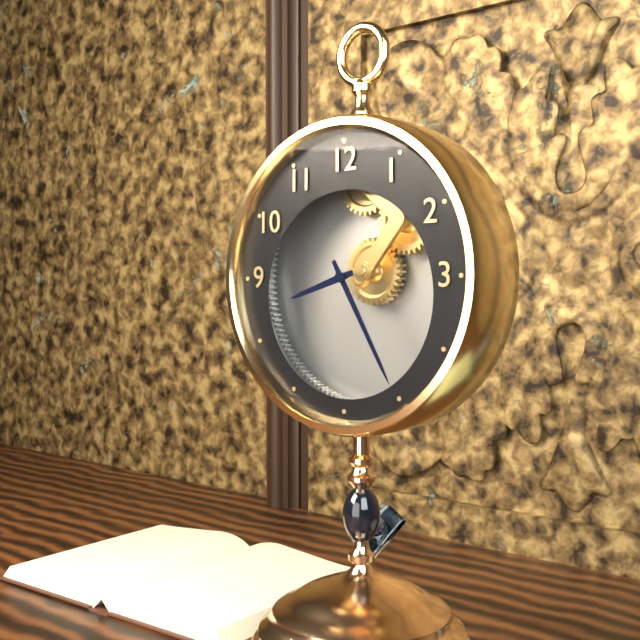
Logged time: 8:25
